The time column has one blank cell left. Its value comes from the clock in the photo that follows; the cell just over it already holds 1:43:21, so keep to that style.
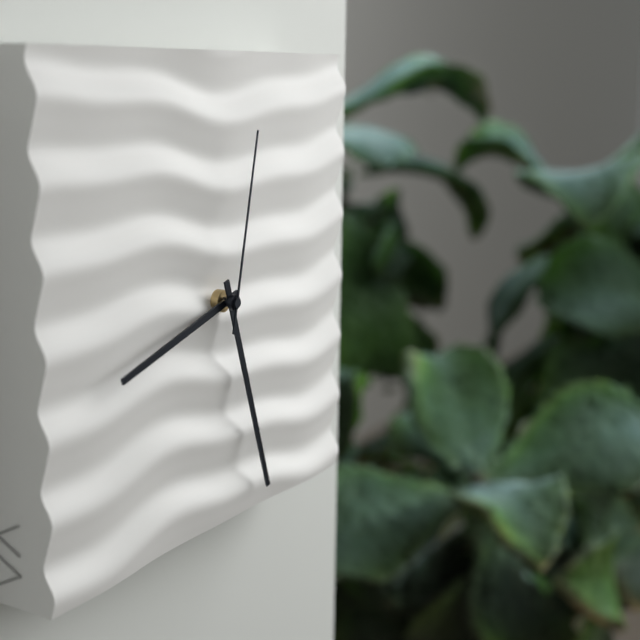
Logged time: 8:27:02
